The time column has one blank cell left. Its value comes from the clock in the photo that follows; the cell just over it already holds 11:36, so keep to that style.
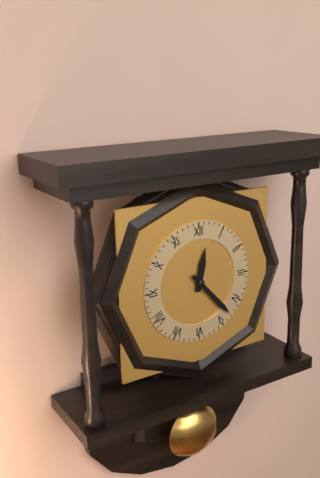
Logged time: 12:23
